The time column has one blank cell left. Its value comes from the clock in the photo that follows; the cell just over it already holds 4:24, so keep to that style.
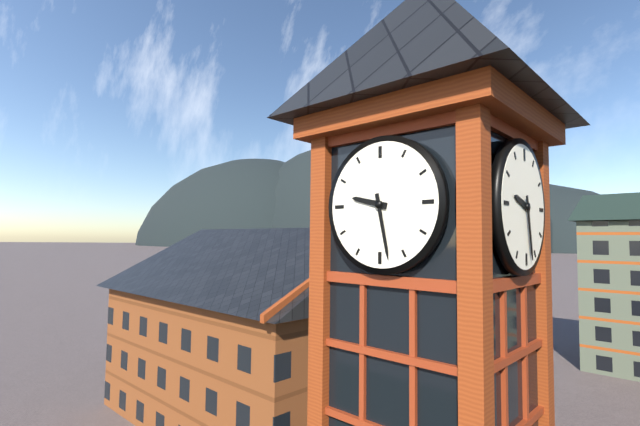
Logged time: 9:28
